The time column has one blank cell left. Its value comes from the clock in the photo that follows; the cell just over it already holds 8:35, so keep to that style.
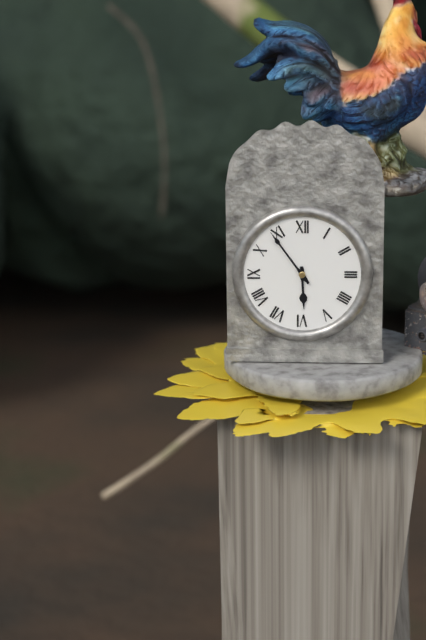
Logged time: 5:54
